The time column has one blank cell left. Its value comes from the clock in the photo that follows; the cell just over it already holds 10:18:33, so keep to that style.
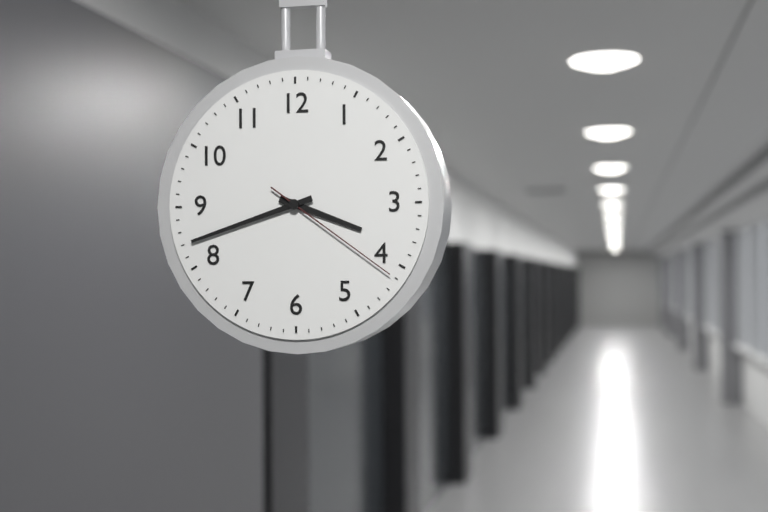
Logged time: 3:42:21
